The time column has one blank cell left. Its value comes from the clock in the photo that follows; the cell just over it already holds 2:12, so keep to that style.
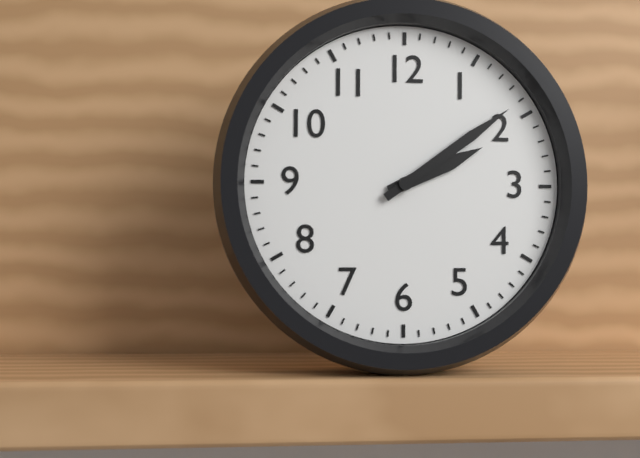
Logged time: 2:09
